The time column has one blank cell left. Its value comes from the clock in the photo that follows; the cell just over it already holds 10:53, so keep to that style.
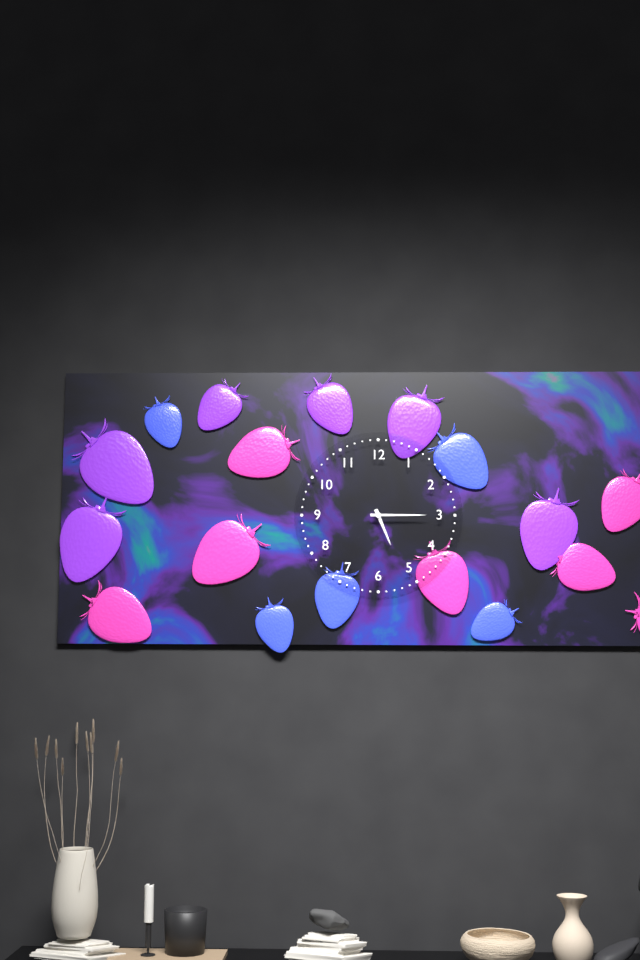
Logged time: 5:15
